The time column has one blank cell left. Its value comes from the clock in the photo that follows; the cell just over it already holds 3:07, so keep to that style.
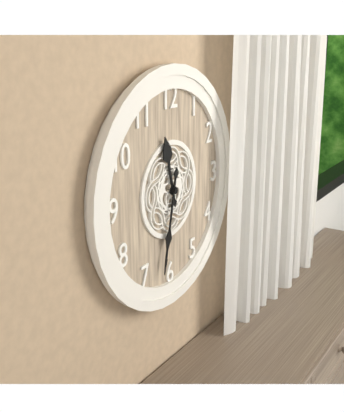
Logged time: 11:32
